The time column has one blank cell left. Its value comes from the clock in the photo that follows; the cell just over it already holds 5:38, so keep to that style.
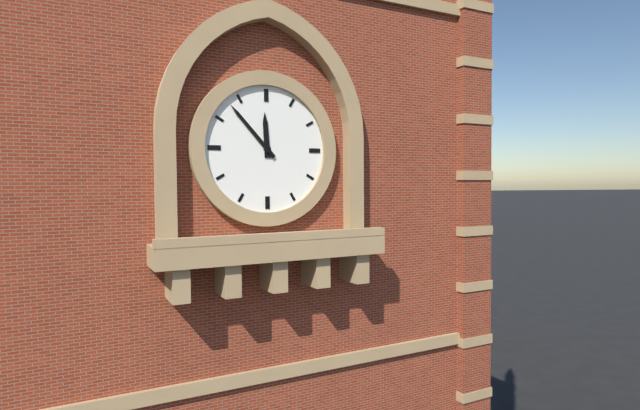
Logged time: 11:53
